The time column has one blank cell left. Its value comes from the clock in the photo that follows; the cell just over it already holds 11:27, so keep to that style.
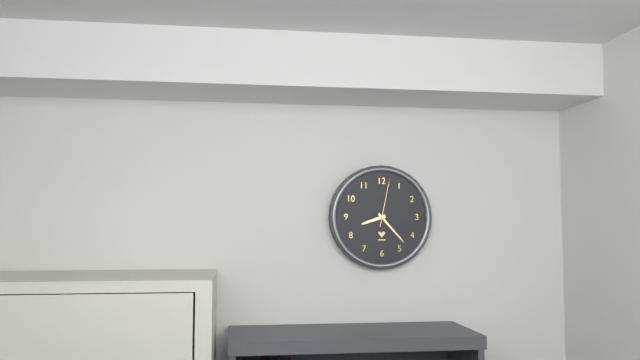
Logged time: 8:23
